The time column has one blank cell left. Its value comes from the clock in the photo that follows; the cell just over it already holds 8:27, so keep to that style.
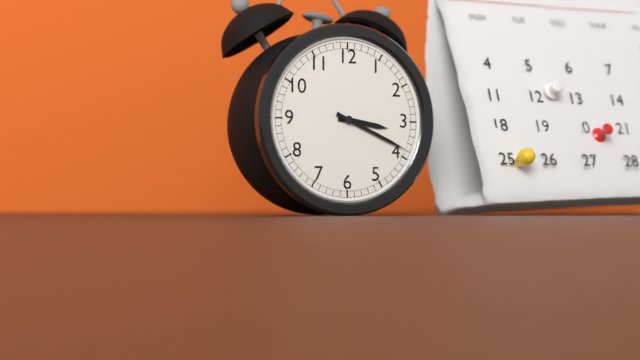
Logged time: 3:19
